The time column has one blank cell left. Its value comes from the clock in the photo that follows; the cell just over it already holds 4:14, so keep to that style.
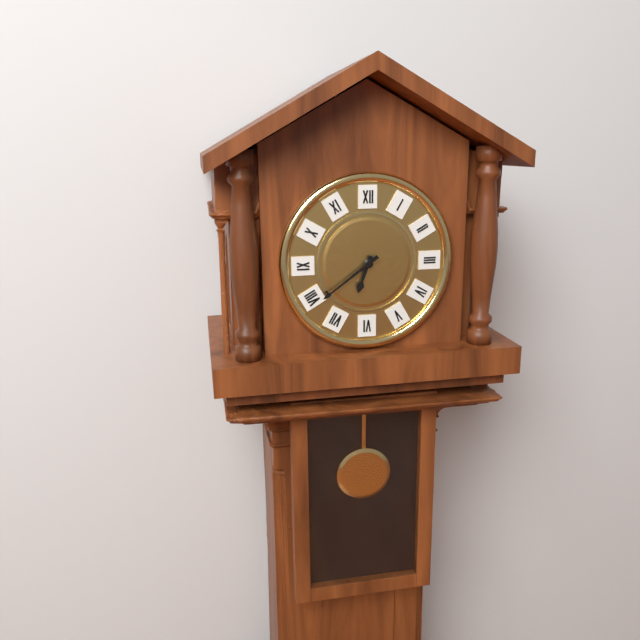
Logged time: 6:39
